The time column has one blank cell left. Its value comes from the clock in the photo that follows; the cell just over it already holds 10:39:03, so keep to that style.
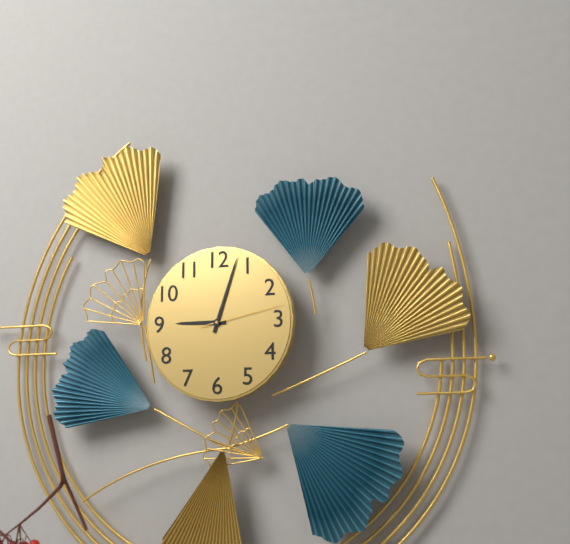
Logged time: 9:03:13
